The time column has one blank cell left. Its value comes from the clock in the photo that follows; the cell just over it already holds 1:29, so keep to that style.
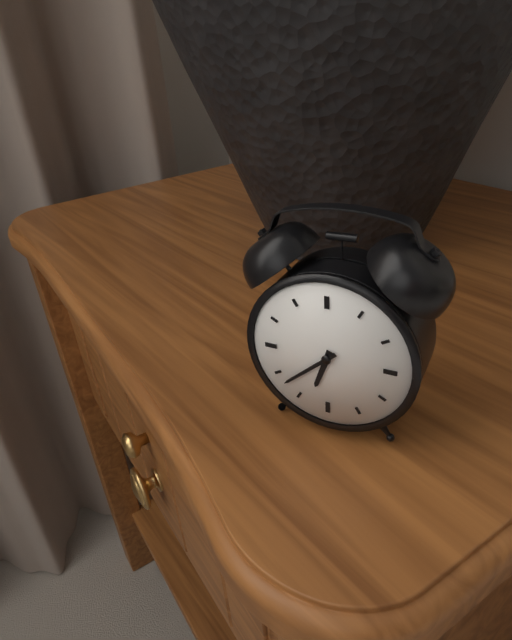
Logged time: 6:38
